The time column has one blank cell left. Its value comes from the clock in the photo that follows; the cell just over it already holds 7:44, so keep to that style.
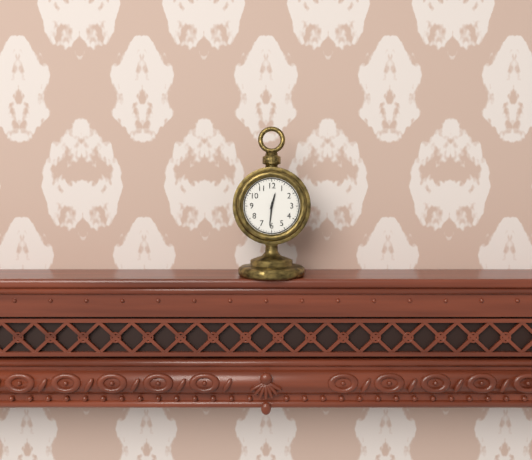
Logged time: 12:31
